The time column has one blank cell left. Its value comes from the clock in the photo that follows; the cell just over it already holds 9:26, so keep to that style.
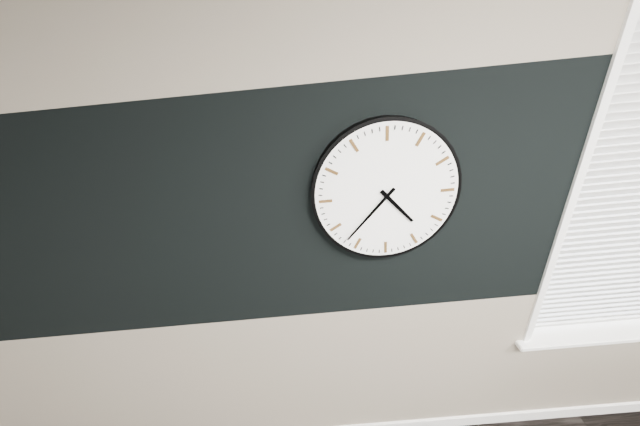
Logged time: 4:37
